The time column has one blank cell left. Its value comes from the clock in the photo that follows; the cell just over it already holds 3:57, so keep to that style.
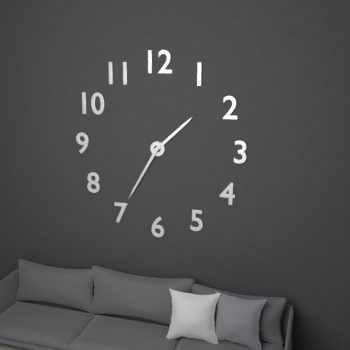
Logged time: 1:35
